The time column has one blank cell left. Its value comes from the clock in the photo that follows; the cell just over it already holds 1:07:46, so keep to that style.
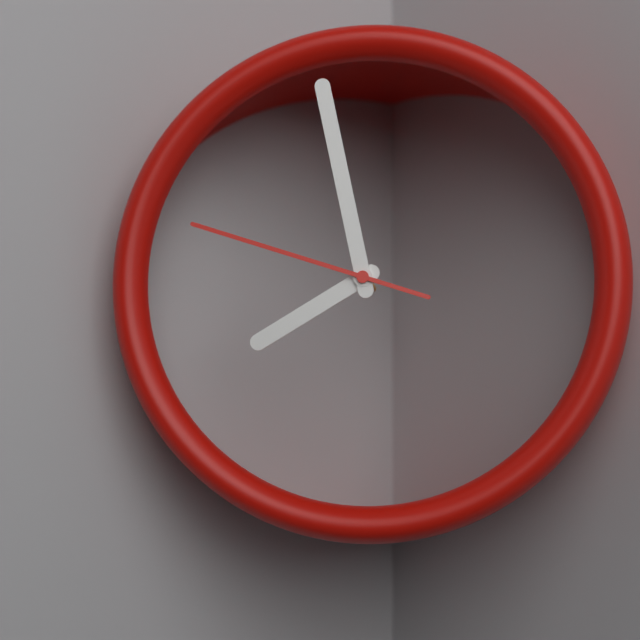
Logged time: 7:58:48
